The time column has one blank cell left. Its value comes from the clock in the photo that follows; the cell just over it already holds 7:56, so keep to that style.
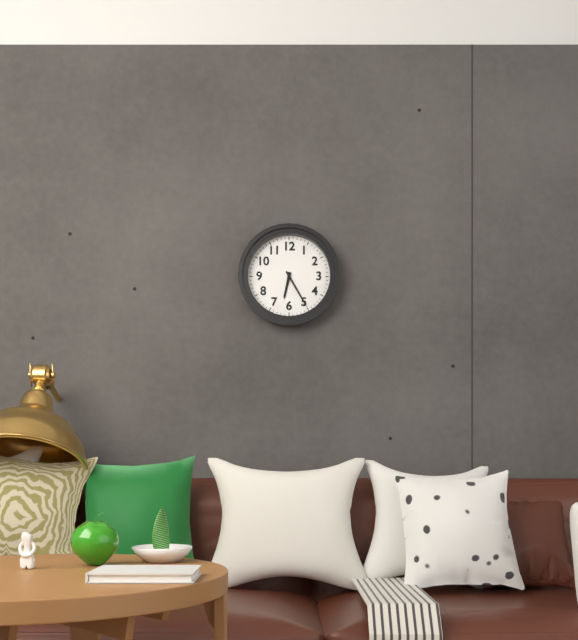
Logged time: 6:25
